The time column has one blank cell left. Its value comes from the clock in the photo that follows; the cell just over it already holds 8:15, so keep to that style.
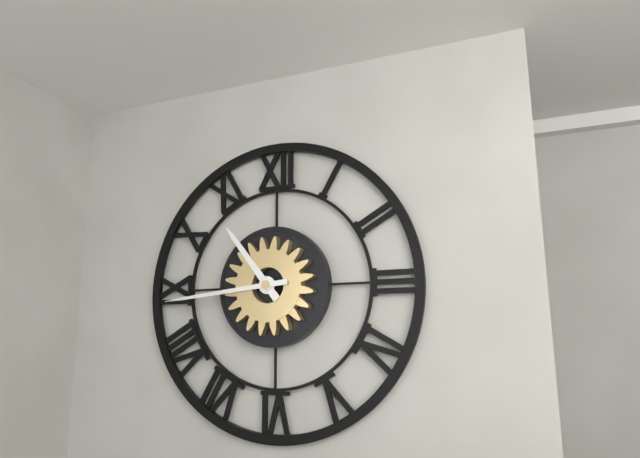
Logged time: 10:44
